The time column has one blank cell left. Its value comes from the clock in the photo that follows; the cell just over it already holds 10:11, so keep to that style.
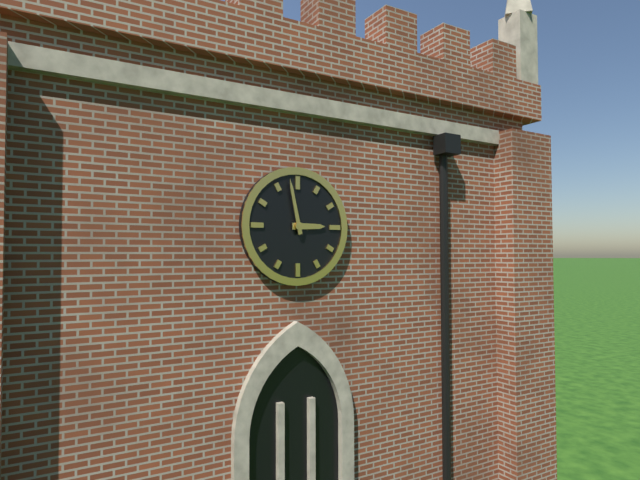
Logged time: 2:58
